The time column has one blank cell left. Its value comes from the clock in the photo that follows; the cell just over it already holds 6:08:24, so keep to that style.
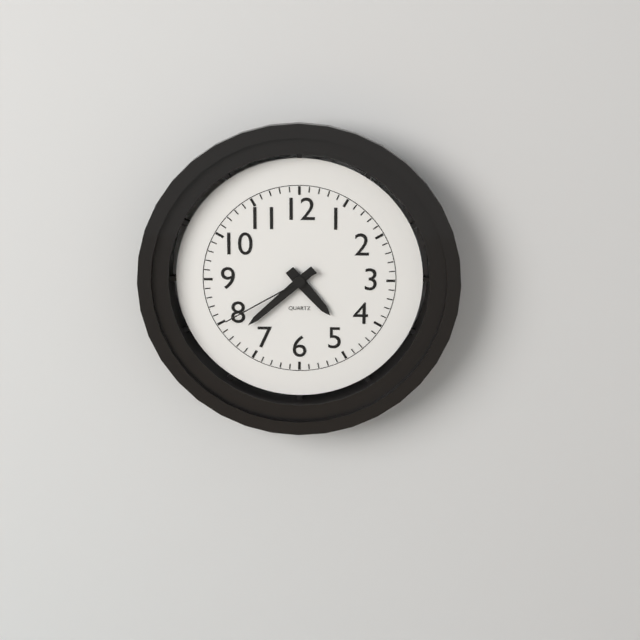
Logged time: 4:38:40
